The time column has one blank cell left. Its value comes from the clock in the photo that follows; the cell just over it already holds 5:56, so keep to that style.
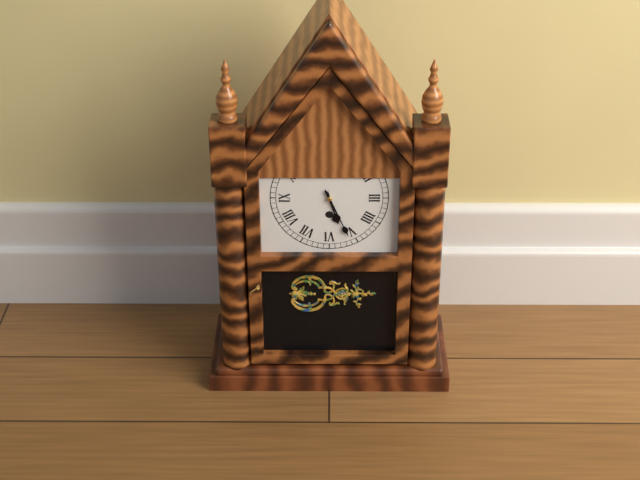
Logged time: 5:26
